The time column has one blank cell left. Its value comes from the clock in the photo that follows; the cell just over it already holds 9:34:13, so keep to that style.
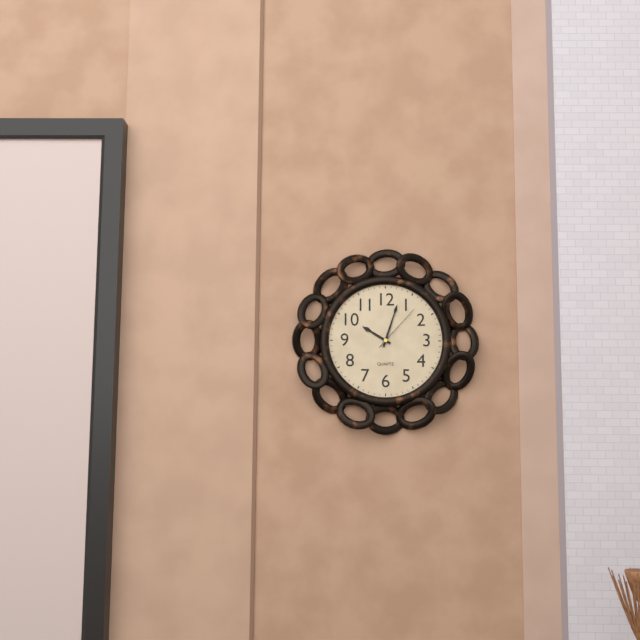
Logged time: 10:03:07
